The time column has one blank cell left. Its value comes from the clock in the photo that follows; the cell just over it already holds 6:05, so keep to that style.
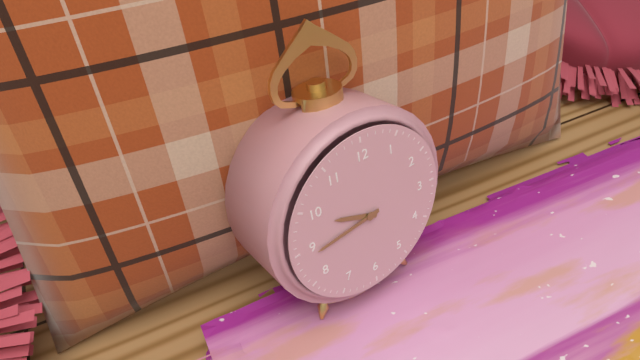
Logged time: 9:44
